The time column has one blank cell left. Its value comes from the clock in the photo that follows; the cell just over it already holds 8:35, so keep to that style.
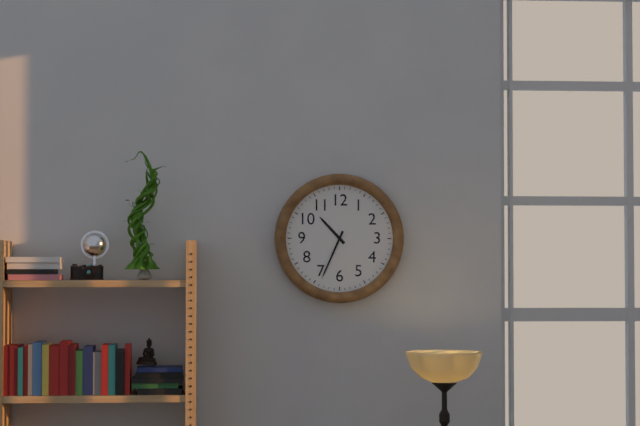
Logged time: 10:34
